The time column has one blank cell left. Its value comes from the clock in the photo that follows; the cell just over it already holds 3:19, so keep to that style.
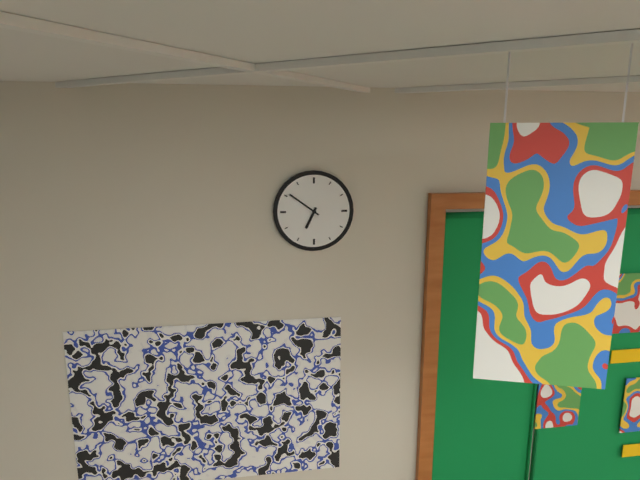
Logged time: 6:51
